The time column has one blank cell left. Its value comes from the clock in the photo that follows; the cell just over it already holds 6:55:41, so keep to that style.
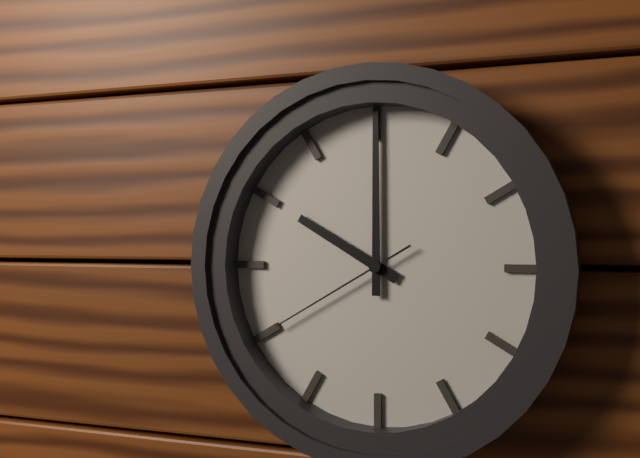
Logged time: 10:00:40
